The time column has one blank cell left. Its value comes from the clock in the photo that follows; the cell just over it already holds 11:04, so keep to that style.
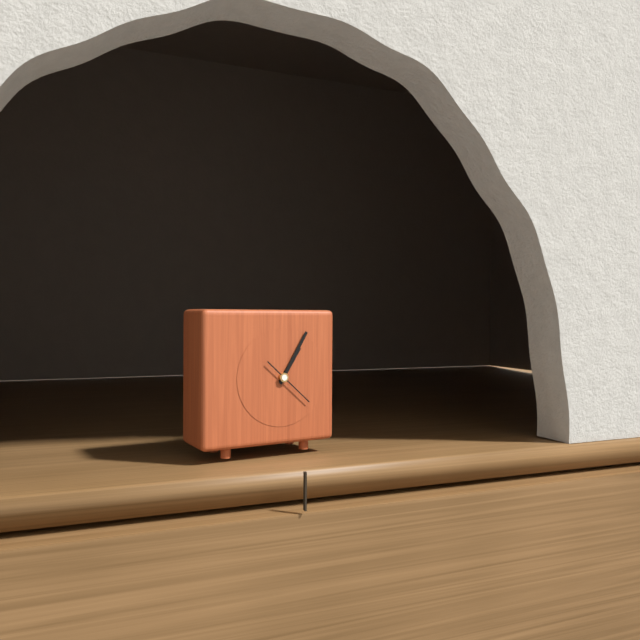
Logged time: 1:05
